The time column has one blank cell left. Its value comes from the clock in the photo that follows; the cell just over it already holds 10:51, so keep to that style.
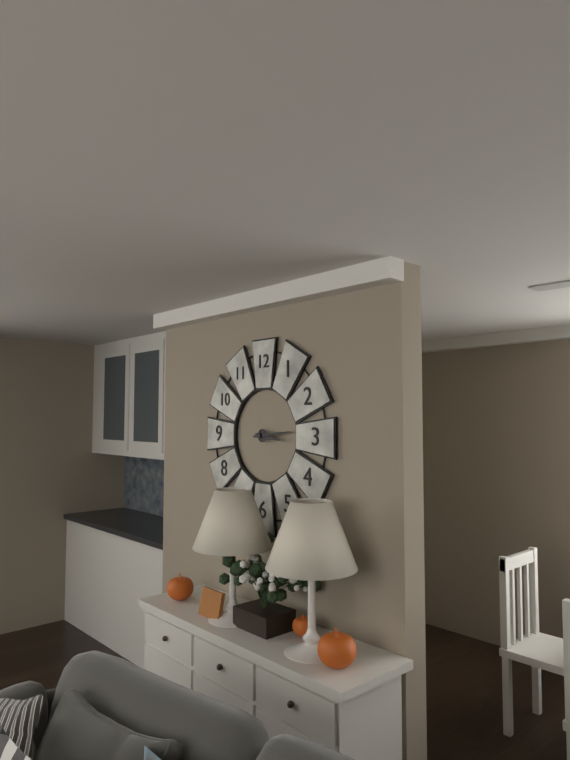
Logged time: 3:14
